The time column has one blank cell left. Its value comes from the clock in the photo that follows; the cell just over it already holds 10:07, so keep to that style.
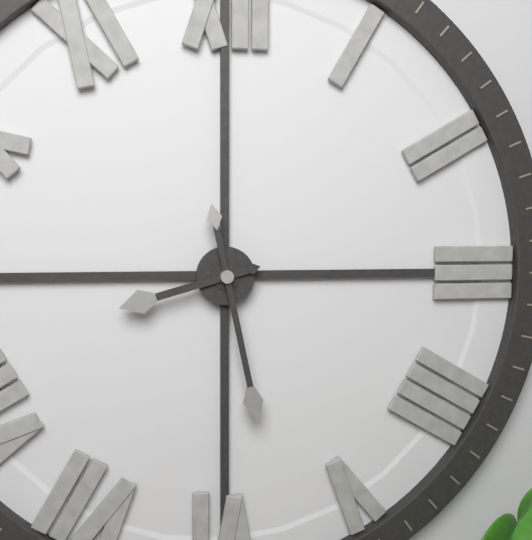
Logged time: 8:28
